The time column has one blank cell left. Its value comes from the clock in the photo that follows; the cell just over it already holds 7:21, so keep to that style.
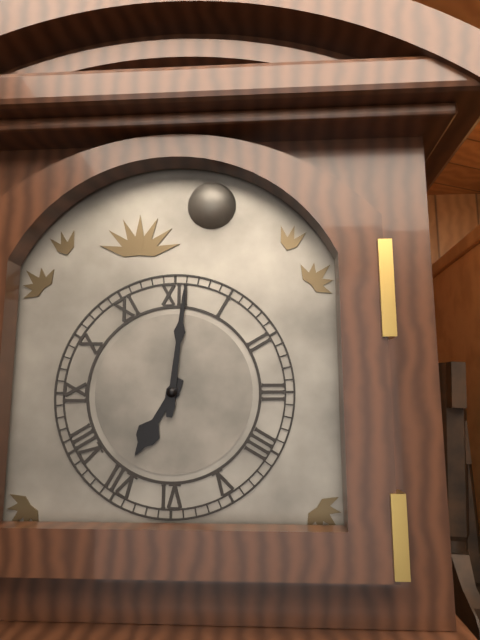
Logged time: 7:01
